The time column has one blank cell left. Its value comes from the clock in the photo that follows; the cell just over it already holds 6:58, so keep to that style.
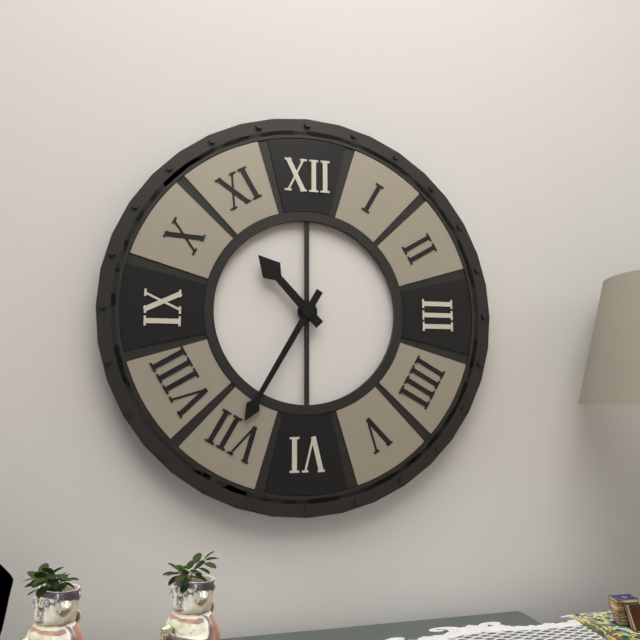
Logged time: 10:35
